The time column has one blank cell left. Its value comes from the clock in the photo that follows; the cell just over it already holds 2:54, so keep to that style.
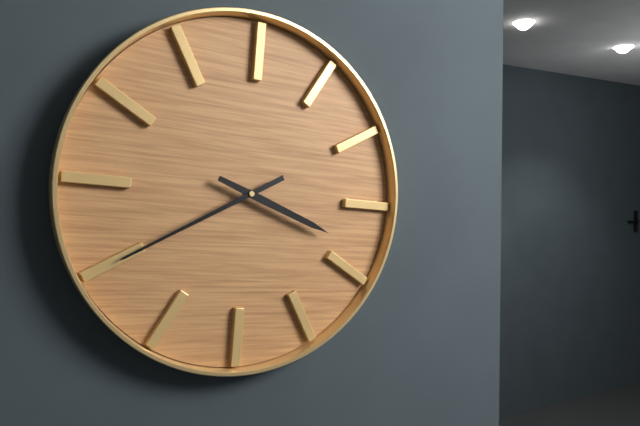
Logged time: 3:40
